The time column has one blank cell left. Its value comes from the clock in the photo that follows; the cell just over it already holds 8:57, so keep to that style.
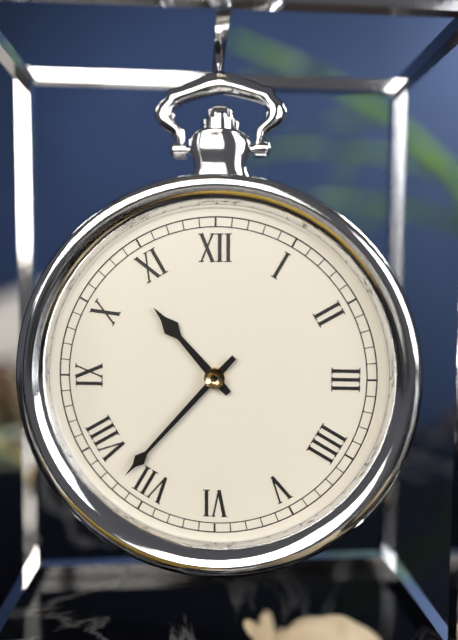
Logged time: 10:37
